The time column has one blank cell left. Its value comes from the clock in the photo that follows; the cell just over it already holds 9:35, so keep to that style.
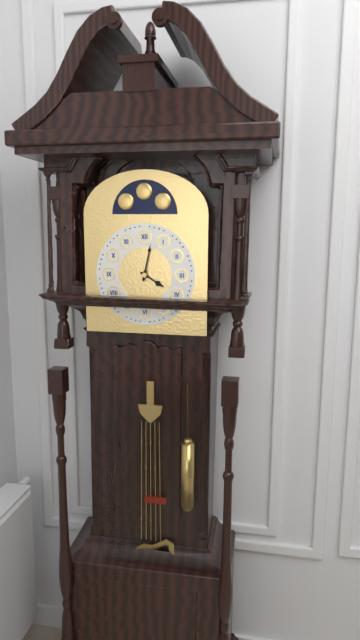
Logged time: 4:02
